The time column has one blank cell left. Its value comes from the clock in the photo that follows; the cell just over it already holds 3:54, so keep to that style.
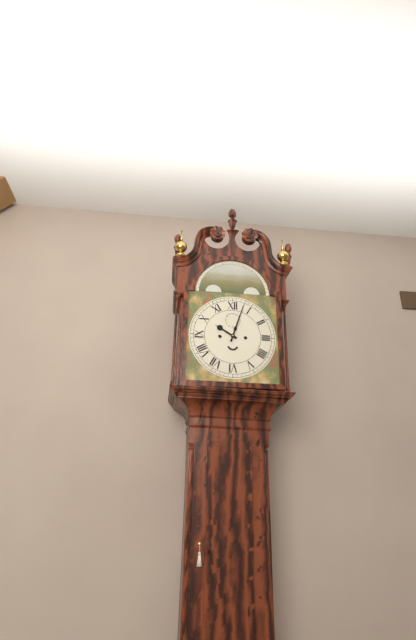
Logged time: 10:03
